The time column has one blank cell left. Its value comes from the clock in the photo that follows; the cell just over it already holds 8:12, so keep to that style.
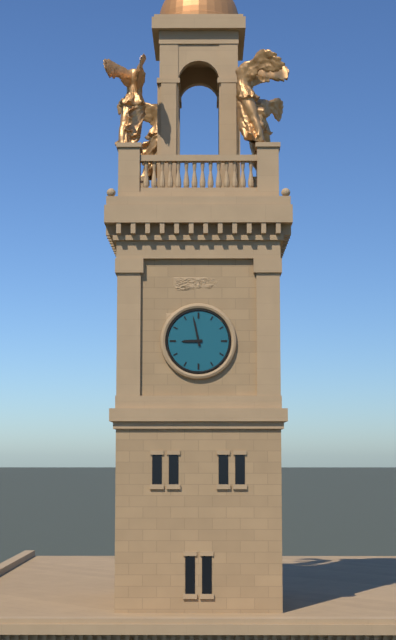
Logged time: 8:58
